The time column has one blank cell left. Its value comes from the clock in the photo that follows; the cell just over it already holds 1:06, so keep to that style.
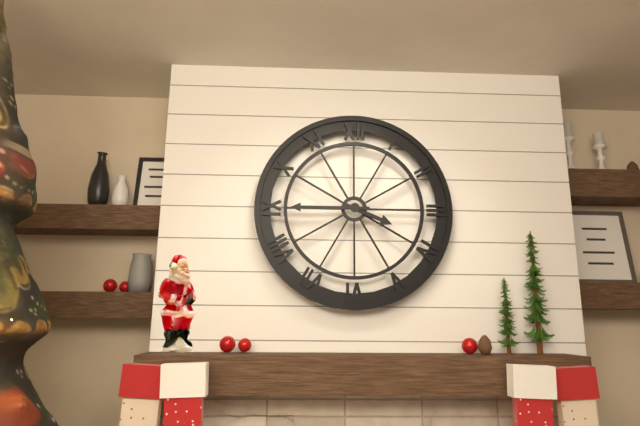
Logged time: 3:45
